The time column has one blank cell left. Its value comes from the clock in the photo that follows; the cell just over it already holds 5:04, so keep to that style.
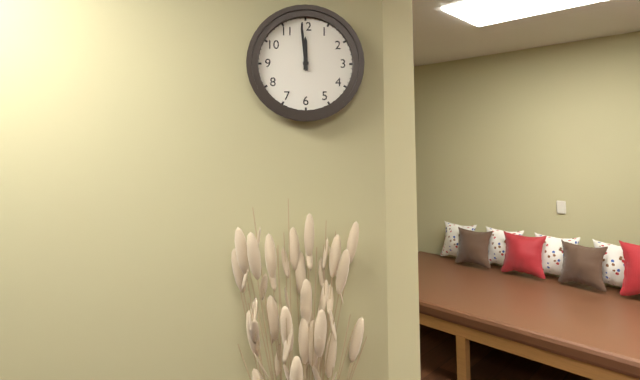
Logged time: 11:59
